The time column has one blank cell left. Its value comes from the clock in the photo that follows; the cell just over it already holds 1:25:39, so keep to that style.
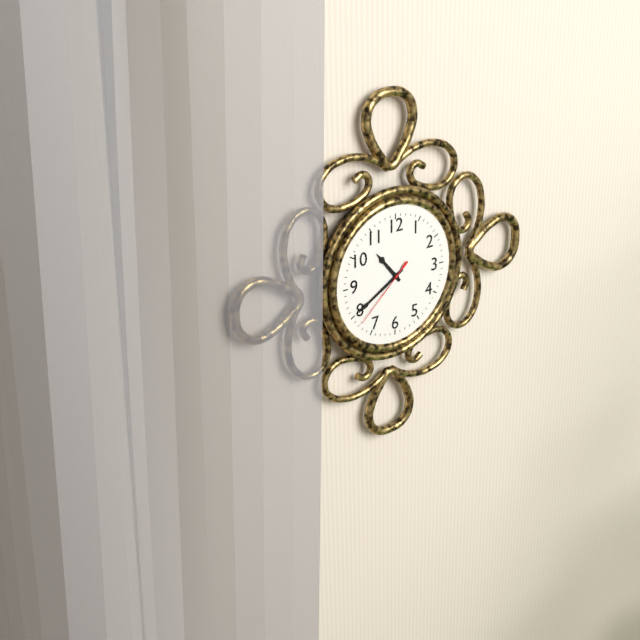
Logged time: 10:40:38
